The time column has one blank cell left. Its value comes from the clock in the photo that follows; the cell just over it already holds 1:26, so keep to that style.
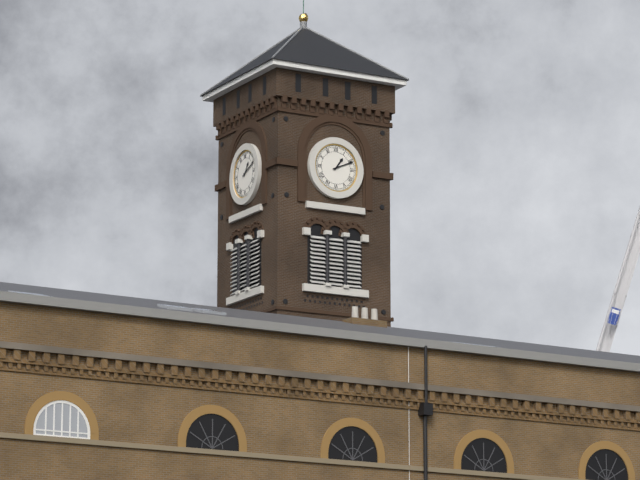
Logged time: 1:11
